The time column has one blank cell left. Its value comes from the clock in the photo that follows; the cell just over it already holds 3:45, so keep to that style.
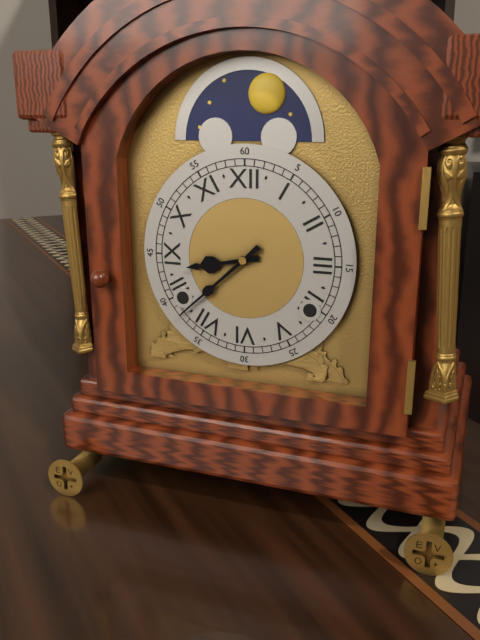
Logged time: 8:38
